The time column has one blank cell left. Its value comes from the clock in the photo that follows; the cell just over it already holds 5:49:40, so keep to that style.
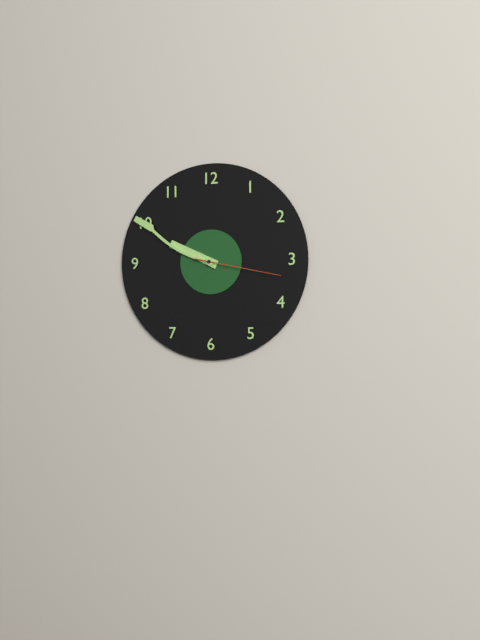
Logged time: 9:50:17
